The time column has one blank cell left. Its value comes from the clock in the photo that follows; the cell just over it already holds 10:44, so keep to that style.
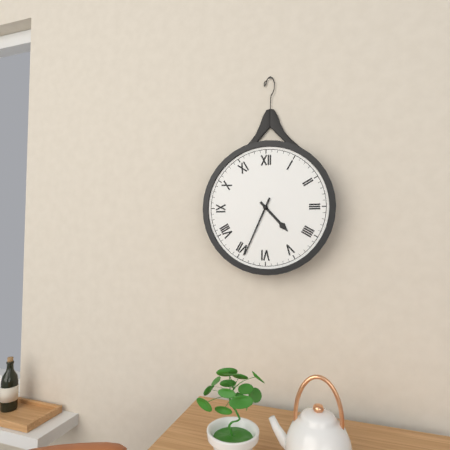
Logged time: 4:34
